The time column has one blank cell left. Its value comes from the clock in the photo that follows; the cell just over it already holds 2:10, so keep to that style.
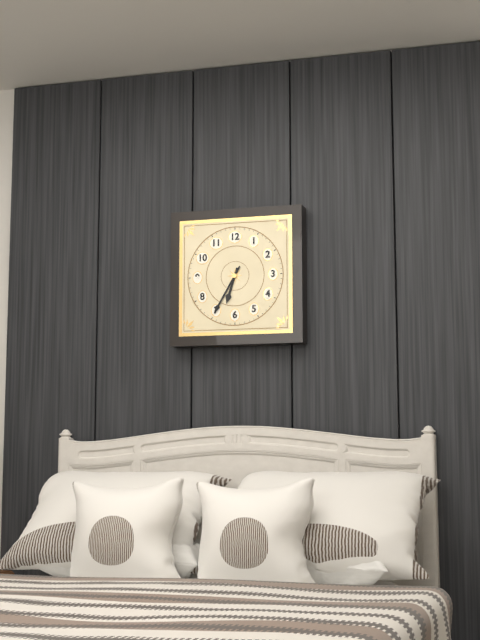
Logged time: 6:35
